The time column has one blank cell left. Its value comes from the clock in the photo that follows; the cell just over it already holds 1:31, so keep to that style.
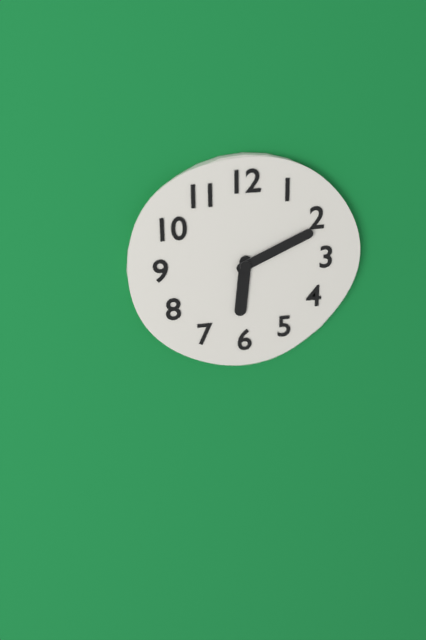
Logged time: 6:11
